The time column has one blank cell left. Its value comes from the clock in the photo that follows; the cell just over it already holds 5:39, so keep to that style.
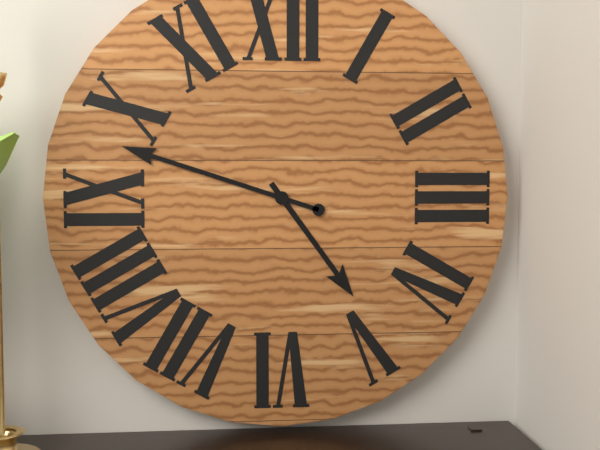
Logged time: 4:48
